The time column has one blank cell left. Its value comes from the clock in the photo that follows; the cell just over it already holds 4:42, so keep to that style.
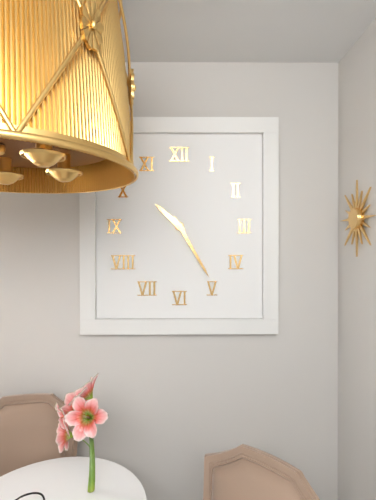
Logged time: 10:25
